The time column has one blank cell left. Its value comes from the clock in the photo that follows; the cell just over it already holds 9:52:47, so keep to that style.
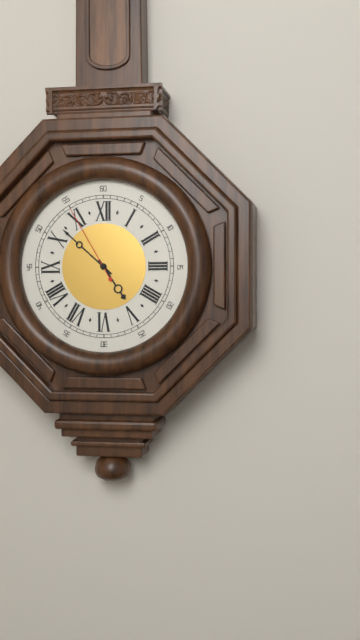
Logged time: 4:52:55
